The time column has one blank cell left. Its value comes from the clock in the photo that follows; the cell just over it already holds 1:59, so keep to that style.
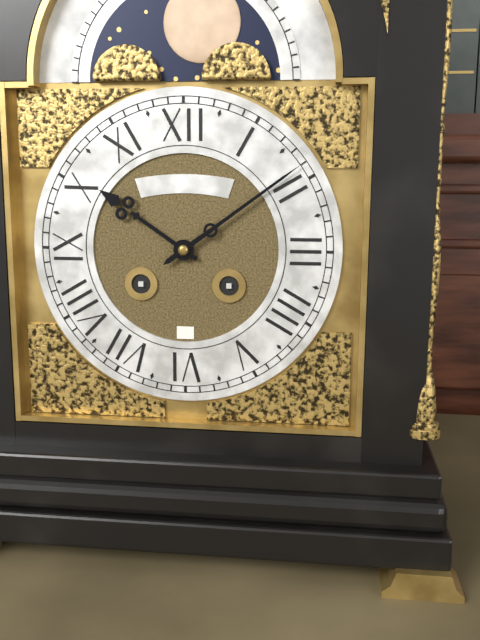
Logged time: 10:09
